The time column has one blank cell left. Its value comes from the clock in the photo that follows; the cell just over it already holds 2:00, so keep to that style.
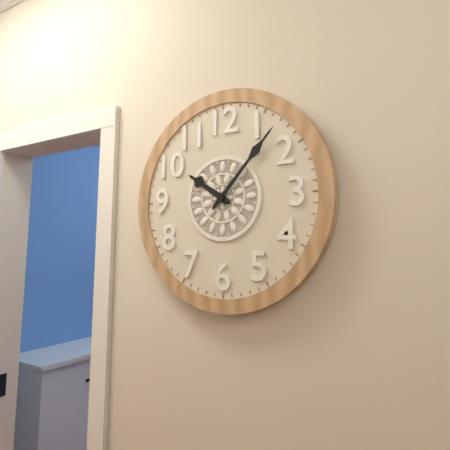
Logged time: 10:07
